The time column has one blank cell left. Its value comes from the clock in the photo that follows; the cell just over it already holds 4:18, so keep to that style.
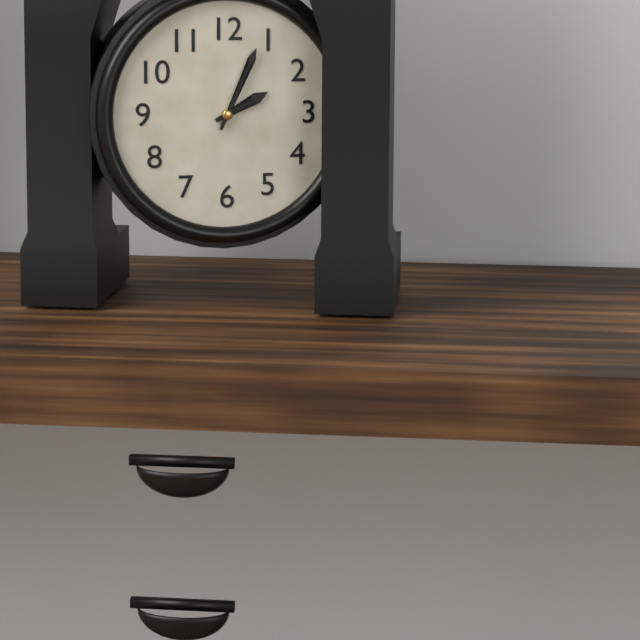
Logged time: 2:04
